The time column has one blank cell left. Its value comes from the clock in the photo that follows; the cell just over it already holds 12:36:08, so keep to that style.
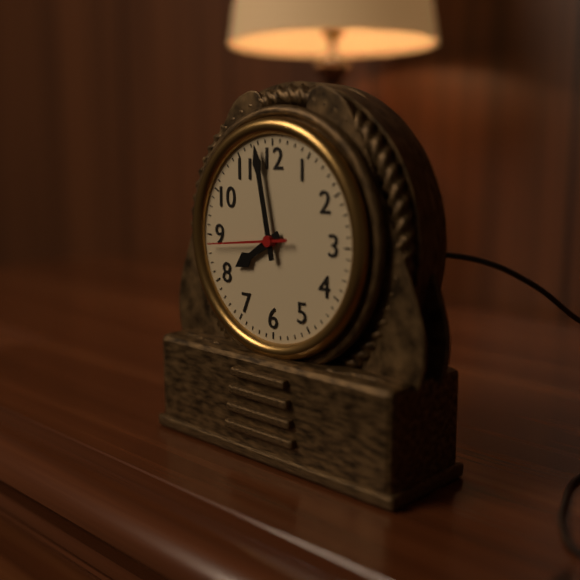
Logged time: 7:58:44
